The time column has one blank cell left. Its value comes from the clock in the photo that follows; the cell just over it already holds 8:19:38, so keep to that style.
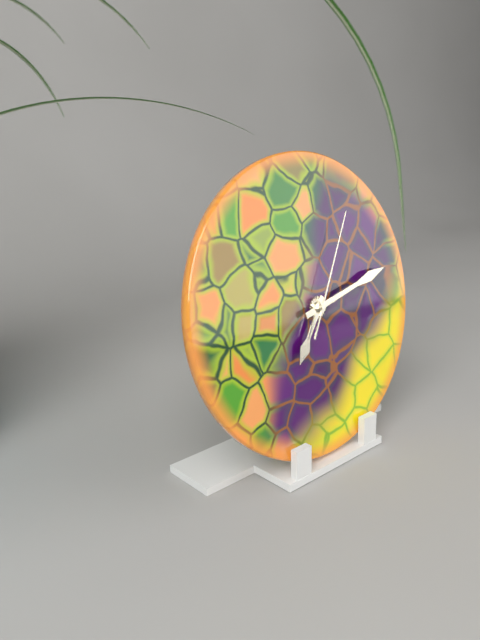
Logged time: 7:13:05
